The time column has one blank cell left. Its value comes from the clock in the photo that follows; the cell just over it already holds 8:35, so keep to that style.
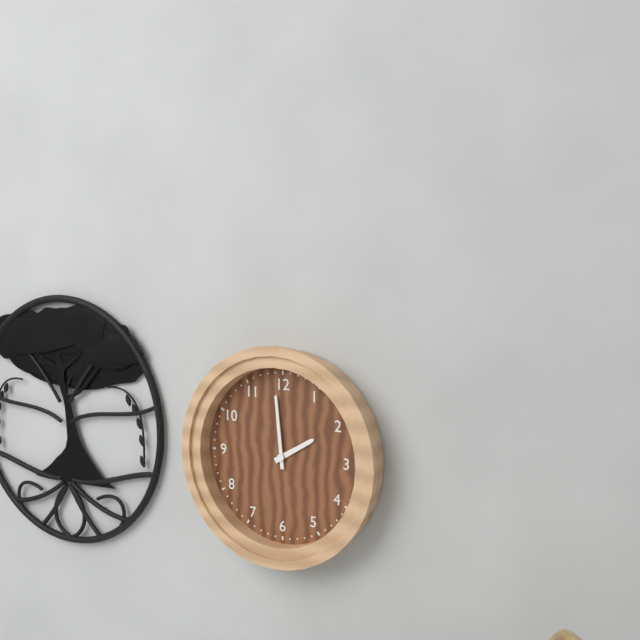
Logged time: 1:59
